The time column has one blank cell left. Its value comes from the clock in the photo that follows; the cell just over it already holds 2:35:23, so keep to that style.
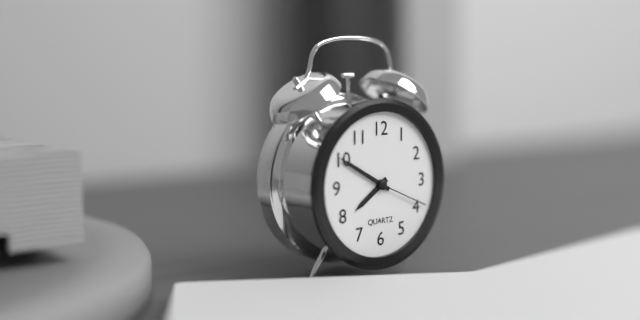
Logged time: 7:50:19
